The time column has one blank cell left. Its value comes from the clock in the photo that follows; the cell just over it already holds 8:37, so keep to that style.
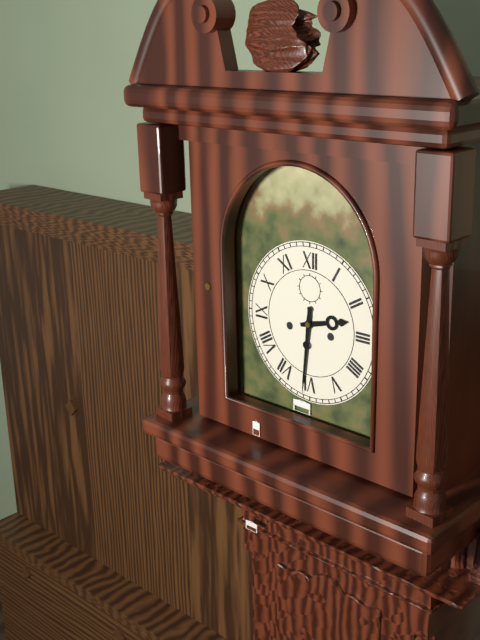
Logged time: 2:31
